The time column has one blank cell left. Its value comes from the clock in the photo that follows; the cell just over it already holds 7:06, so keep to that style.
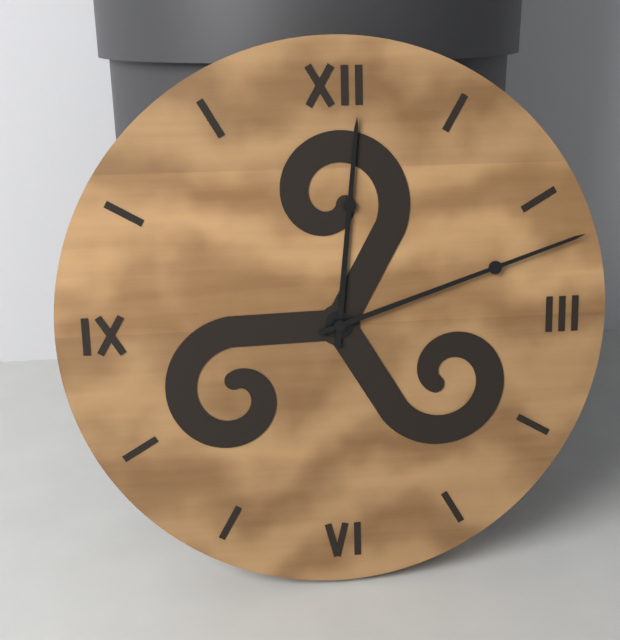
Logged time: 12:12
